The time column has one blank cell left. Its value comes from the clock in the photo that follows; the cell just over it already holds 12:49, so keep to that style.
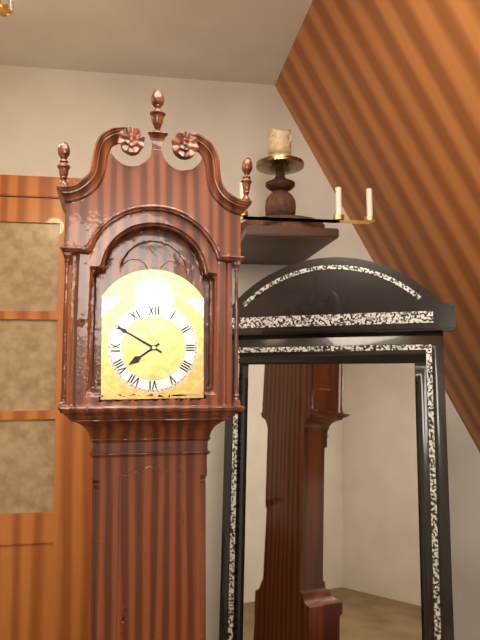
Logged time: 7:50
